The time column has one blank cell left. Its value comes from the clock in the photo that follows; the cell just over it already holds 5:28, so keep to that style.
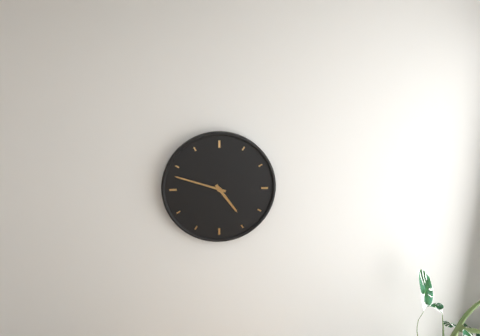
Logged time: 4:48
